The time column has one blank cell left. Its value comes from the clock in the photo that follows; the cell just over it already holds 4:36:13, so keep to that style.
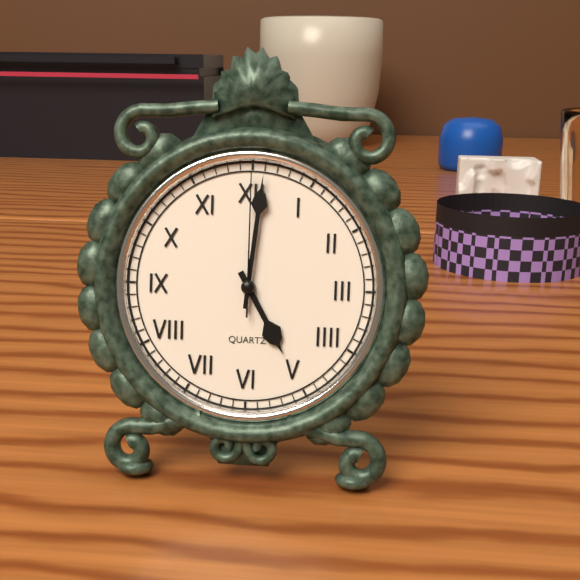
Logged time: 5:01:00
